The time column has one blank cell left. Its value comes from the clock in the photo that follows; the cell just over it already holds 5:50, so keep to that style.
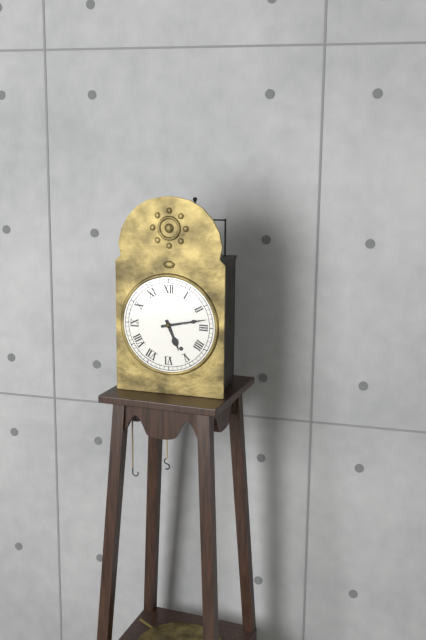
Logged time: 5:13
